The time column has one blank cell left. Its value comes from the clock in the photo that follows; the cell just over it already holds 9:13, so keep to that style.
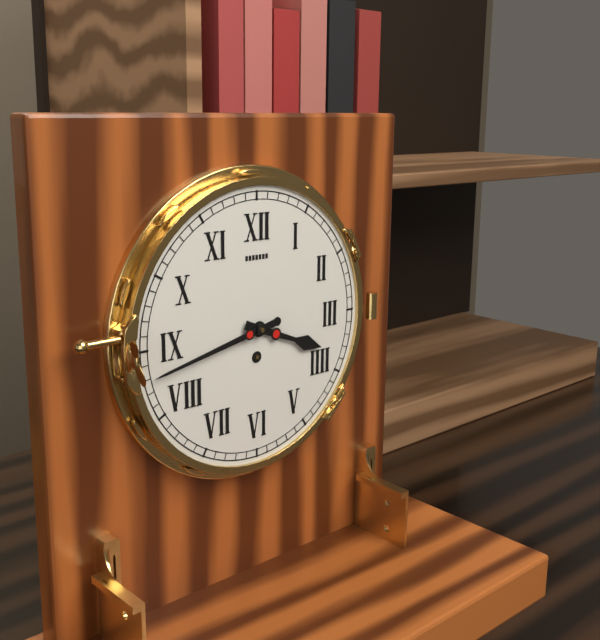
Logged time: 3:43
